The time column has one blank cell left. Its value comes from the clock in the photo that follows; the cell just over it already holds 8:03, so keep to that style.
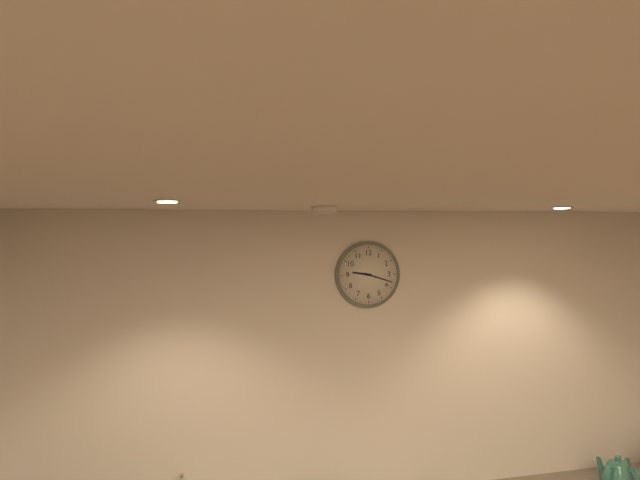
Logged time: 9:18
